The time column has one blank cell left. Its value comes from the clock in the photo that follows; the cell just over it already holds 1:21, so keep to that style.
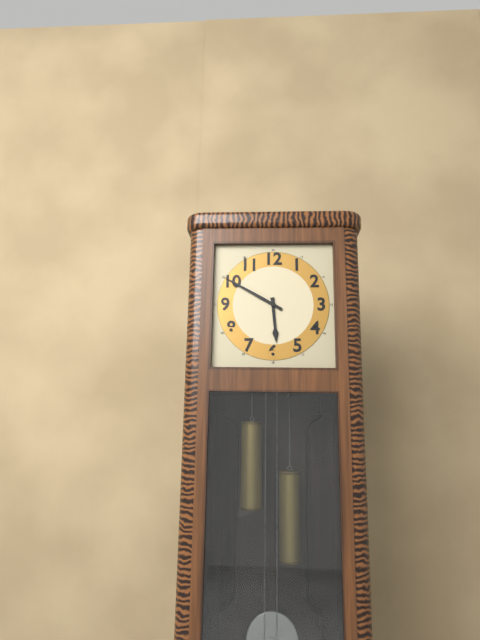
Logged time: 5:50
